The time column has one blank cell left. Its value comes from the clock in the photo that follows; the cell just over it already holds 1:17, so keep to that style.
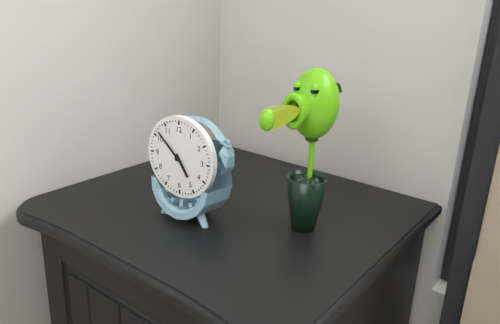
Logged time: 4:52
